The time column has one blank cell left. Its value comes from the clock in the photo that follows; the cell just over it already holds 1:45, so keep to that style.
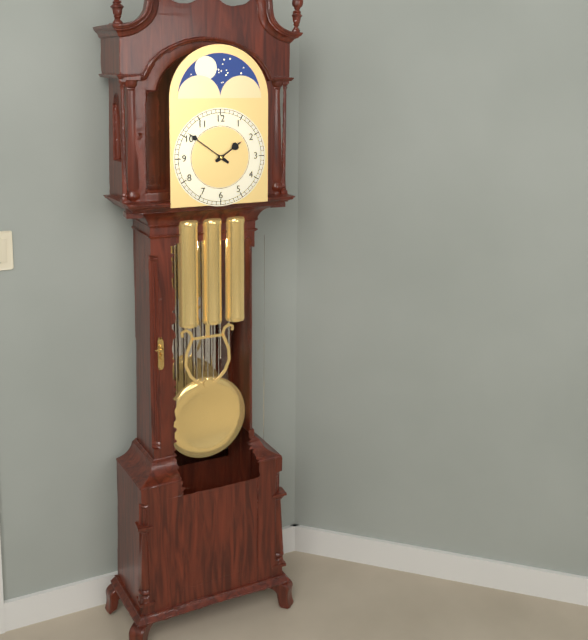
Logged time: 1:51
